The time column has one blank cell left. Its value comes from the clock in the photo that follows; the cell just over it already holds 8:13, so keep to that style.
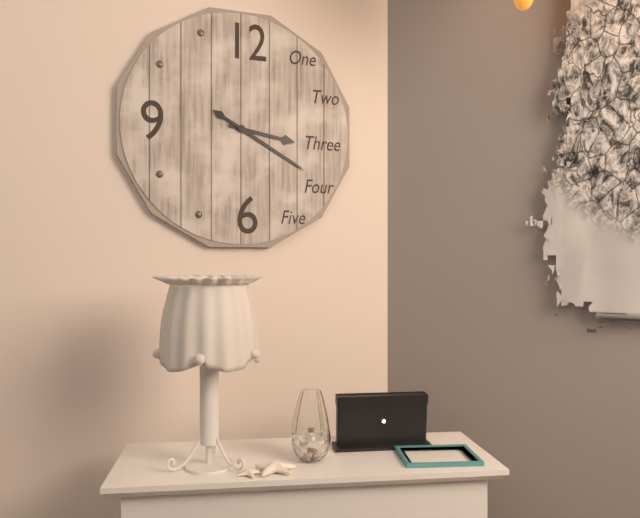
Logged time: 3:20
